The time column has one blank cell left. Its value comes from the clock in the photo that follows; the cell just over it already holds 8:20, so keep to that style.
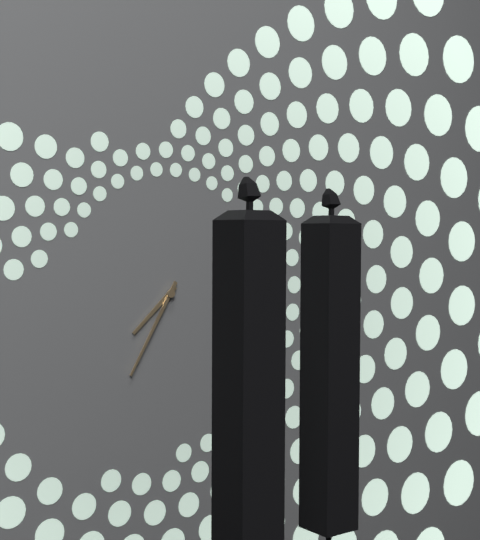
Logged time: 7:35
